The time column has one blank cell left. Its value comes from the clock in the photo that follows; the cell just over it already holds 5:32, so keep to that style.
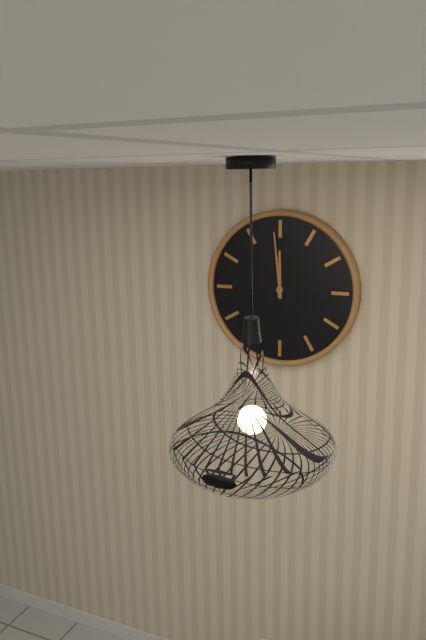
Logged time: 11:59
